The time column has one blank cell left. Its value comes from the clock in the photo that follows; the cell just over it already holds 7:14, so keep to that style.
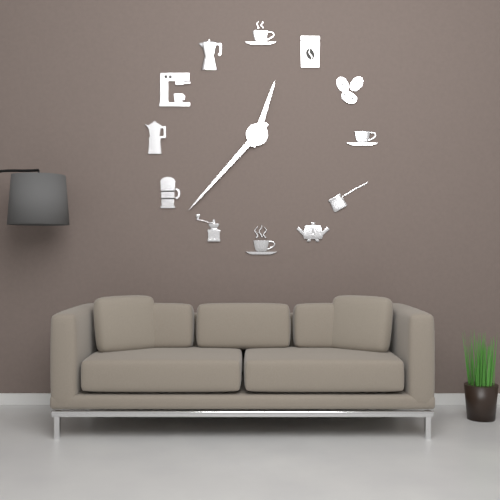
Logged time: 12:37
